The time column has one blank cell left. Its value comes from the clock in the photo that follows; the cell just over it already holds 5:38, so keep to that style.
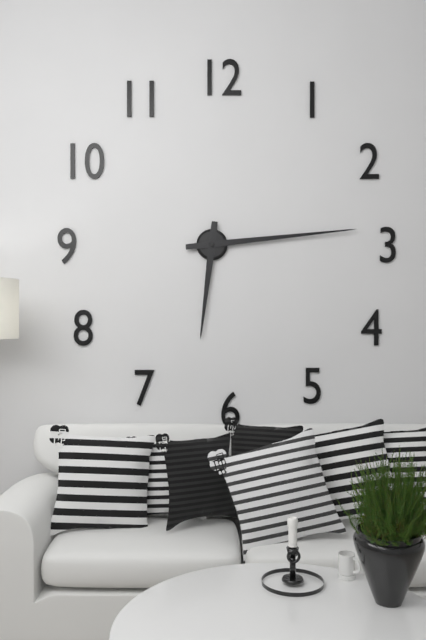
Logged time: 6:14
